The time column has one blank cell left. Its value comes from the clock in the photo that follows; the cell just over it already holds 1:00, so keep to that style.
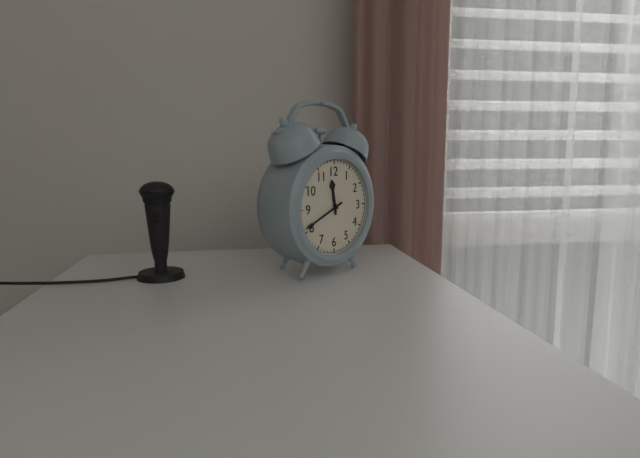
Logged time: 11:41
